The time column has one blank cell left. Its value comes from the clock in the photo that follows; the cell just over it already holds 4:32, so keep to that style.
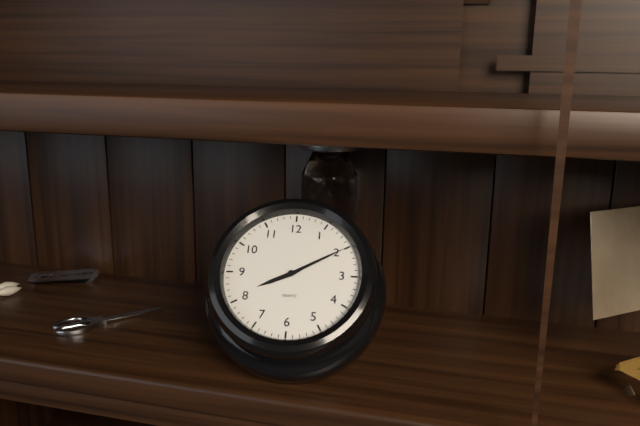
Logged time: 8:10
